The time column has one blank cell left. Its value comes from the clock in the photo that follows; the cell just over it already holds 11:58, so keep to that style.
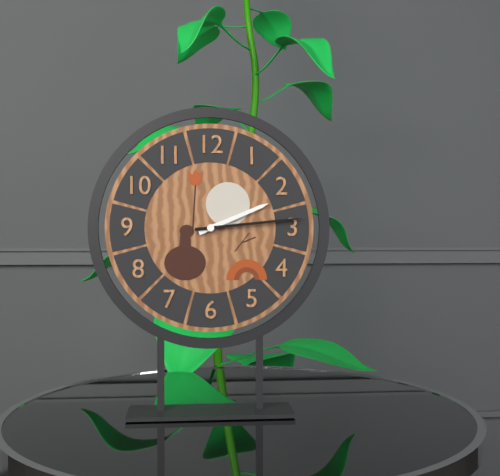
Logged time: 2:14
